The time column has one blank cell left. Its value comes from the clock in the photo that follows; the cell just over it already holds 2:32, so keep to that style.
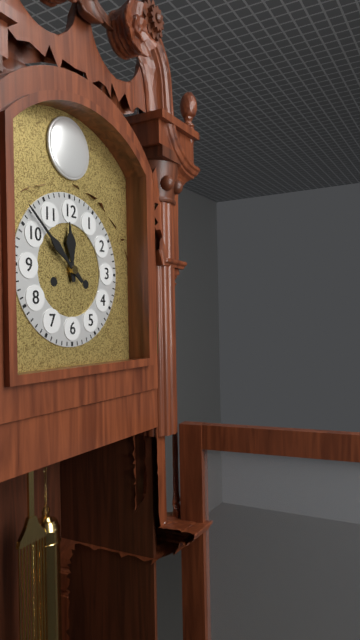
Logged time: 11:52
